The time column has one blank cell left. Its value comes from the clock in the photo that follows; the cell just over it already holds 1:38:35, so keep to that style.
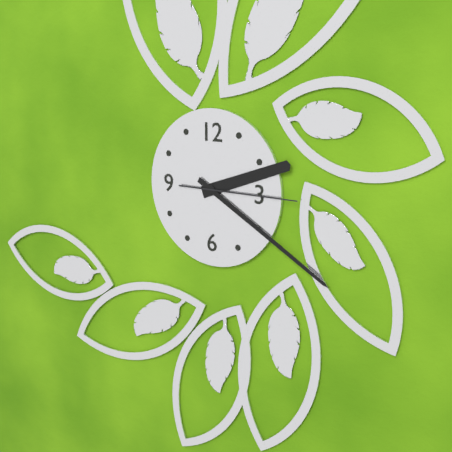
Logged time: 2:20:15
